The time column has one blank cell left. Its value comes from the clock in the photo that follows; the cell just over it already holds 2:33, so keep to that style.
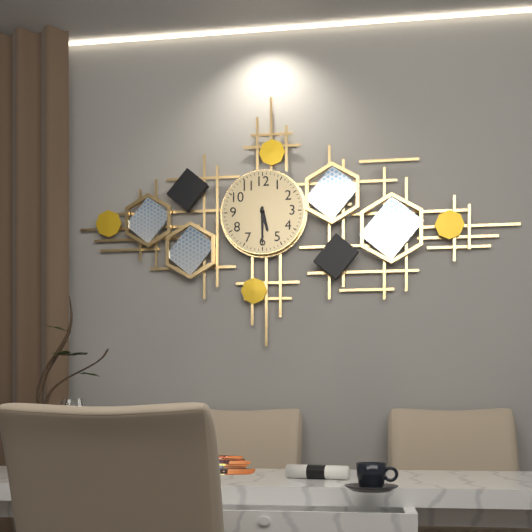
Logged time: 5:30
